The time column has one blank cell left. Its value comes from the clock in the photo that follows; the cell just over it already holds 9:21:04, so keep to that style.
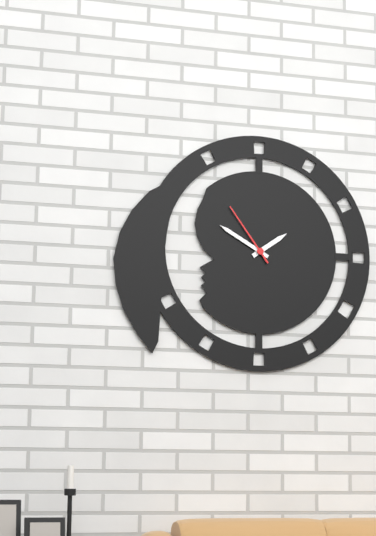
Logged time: 1:50:54
